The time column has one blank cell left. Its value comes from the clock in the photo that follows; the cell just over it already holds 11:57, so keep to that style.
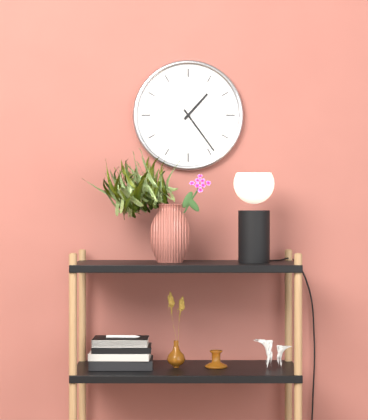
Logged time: 1:24
